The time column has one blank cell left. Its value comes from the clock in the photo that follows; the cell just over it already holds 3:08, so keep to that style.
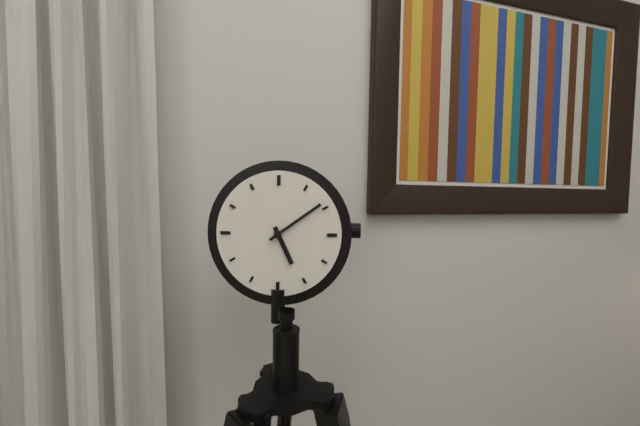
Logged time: 5:09
